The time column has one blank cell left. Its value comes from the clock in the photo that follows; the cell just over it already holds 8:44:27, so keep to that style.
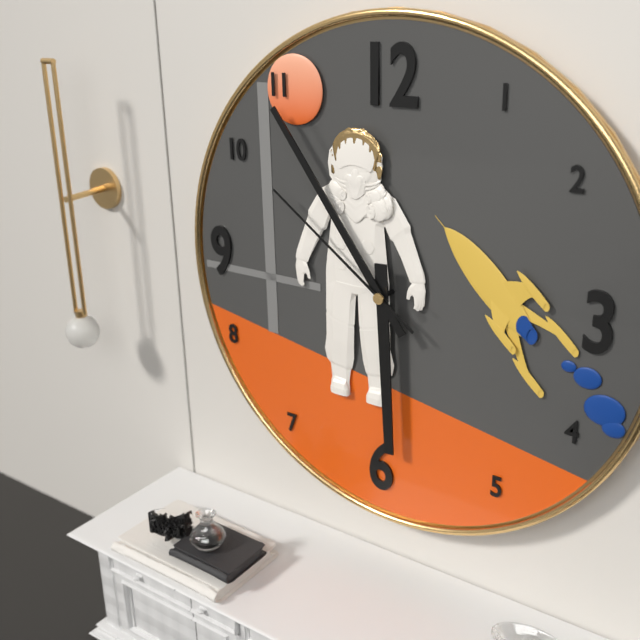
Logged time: 5:54:51
